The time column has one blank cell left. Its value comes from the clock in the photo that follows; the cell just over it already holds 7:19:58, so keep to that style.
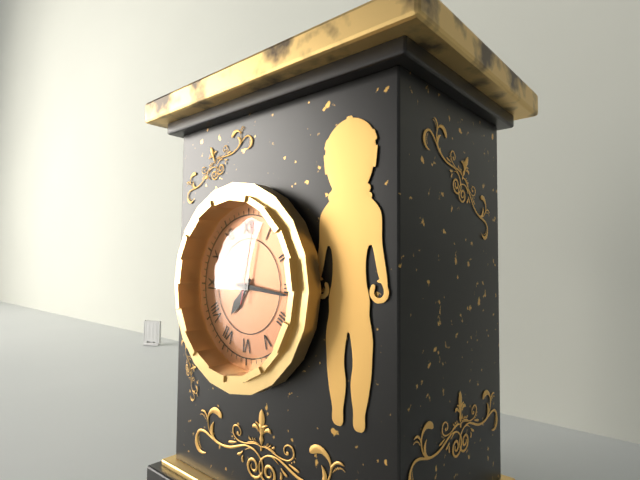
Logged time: 7:16:02
